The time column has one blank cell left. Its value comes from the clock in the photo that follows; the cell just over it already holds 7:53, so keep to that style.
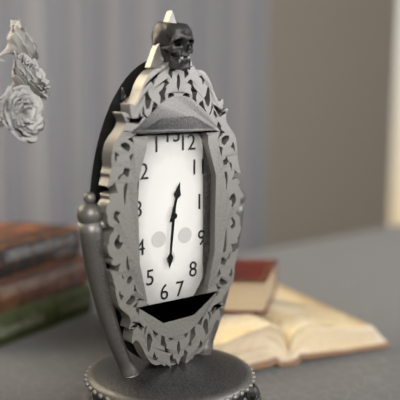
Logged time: 12:31
